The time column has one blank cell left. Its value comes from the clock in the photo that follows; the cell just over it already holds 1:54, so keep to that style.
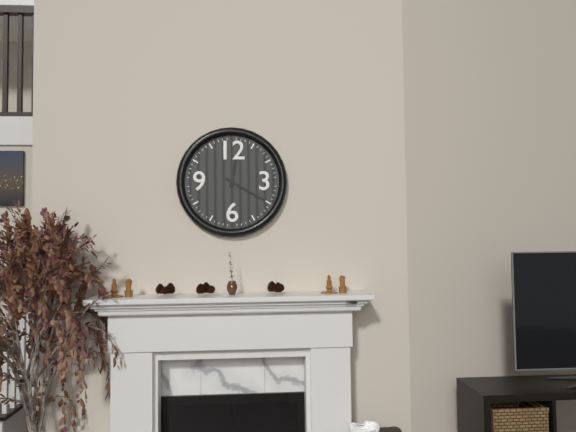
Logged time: 12:20
